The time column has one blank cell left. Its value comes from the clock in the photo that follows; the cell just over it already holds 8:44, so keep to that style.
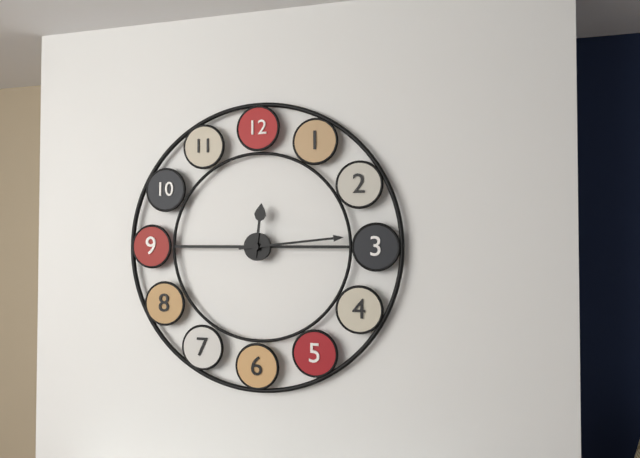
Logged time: 12:14
